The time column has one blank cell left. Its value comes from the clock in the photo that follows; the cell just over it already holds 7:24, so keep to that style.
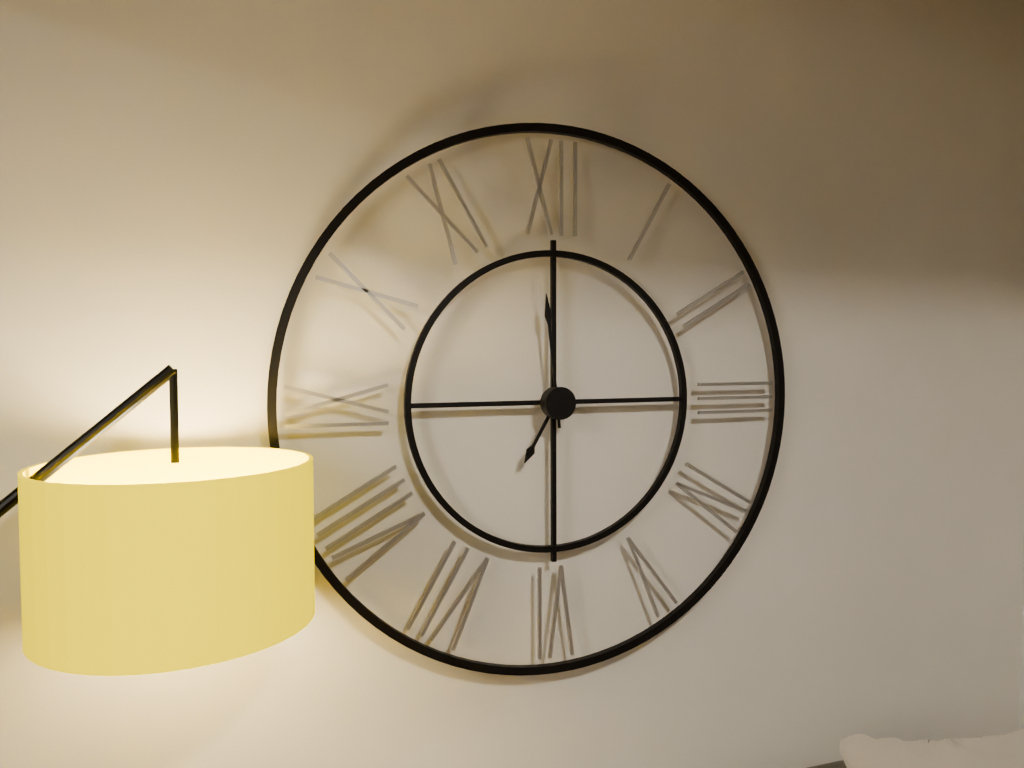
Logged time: 6:59
